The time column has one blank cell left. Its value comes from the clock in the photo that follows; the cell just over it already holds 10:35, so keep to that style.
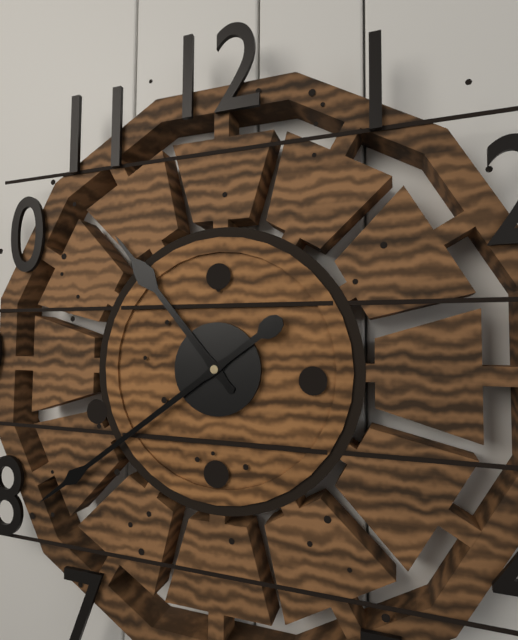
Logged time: 10:39
